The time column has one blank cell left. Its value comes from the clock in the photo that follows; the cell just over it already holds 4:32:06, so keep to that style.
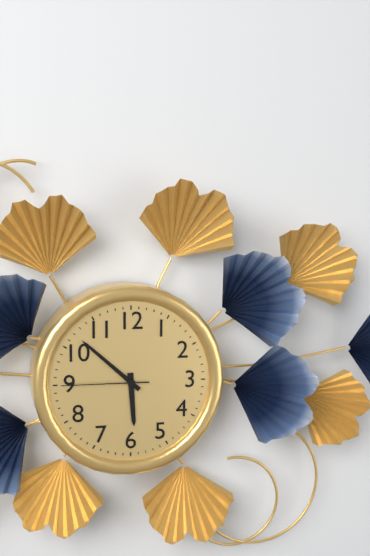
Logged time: 5:52:45
